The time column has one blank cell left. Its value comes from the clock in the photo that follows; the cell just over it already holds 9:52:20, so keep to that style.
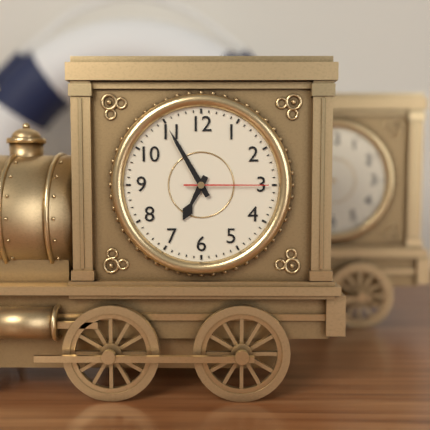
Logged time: 6:55:15
